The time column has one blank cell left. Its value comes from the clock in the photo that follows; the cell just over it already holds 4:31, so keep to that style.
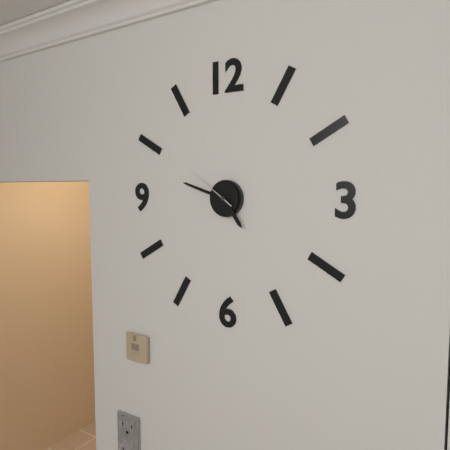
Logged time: 4:48
